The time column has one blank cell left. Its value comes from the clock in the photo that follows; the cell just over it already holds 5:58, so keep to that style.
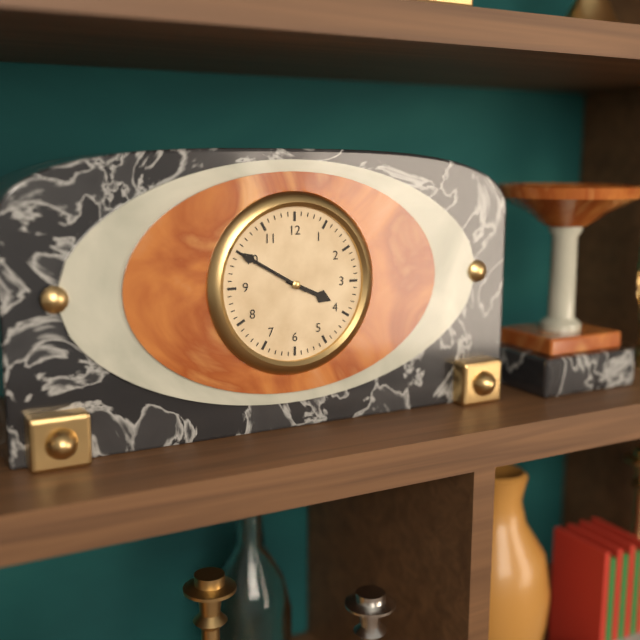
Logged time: 3:50
